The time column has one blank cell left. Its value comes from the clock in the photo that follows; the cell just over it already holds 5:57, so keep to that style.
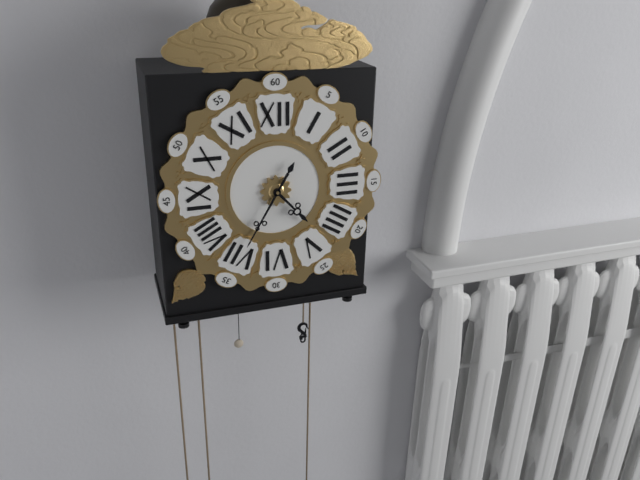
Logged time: 4:35
